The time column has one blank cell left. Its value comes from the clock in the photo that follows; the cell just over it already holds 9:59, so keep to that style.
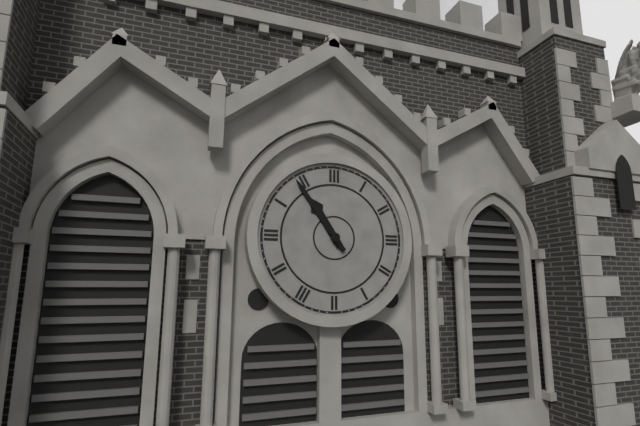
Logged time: 10:54
